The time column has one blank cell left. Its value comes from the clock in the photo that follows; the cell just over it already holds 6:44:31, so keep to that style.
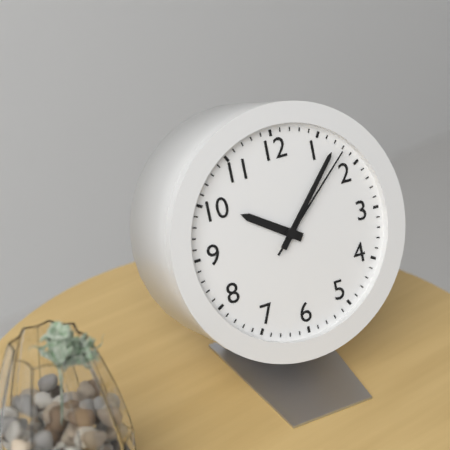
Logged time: 10:07:08
